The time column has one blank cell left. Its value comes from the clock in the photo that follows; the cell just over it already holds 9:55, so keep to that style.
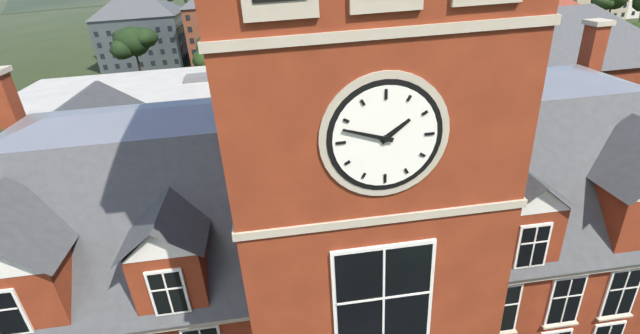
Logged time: 1:48
